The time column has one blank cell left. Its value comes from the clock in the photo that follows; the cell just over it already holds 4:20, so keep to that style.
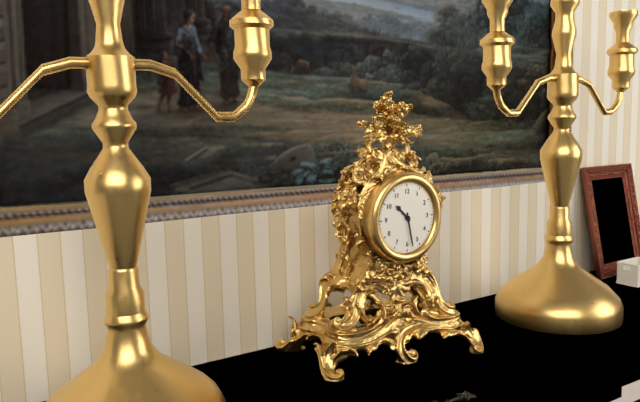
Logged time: 10:28
